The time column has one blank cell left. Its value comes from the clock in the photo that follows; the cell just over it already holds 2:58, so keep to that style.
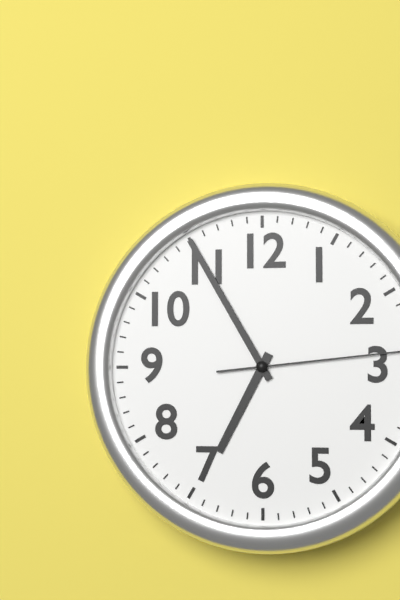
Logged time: 6:55
